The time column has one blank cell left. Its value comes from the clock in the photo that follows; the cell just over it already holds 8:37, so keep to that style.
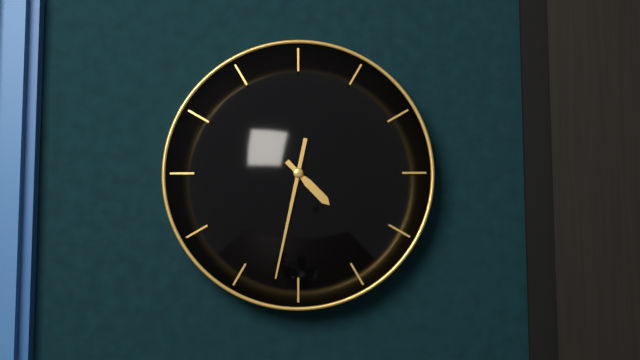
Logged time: 4:32
